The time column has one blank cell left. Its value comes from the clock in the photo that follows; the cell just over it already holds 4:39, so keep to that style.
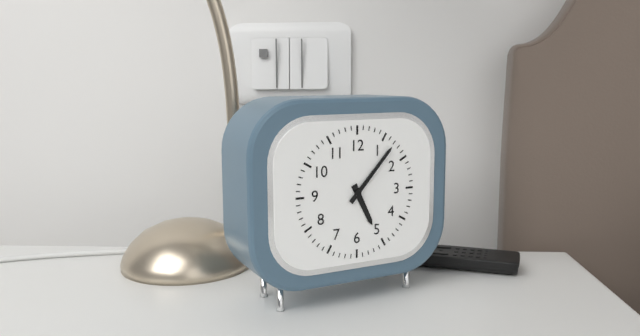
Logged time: 5:07
